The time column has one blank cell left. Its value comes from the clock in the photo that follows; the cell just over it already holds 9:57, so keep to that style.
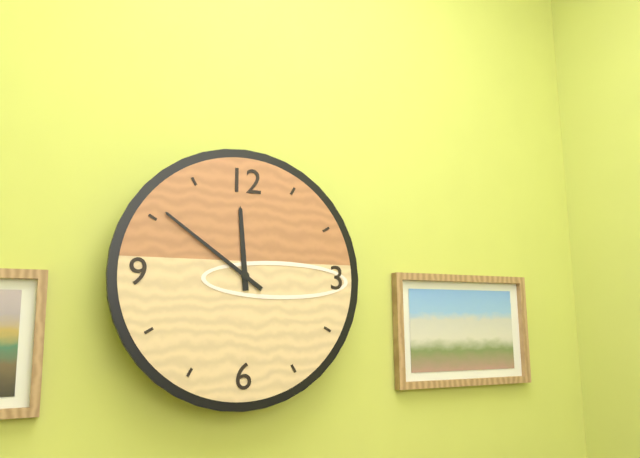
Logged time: 11:51
